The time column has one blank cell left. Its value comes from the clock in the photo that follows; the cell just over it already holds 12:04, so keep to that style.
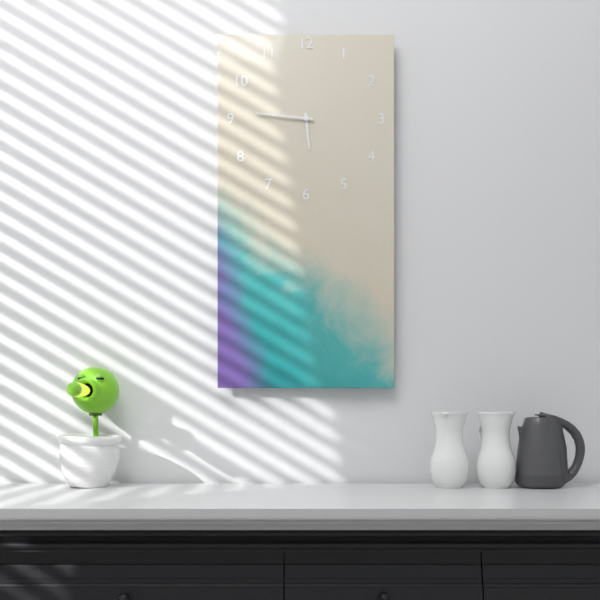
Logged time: 5:46
